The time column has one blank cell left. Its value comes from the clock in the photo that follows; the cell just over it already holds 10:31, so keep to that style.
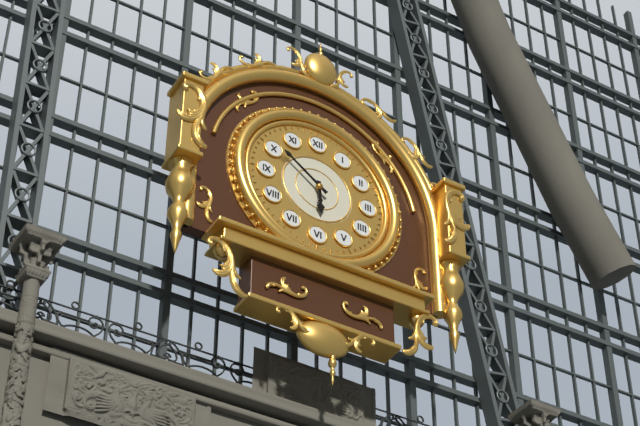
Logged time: 5:51
